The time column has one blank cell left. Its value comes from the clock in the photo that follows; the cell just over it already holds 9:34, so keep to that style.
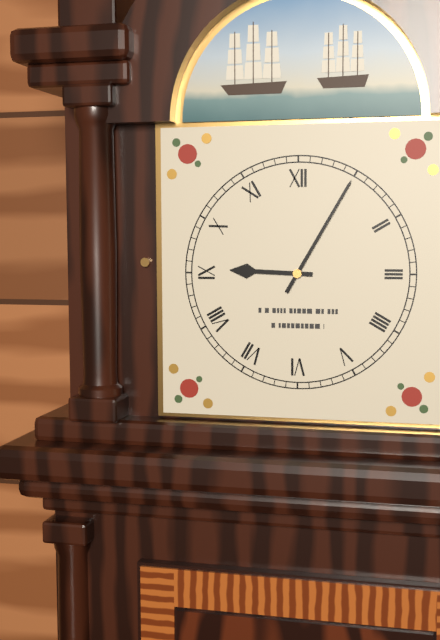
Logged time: 9:05
